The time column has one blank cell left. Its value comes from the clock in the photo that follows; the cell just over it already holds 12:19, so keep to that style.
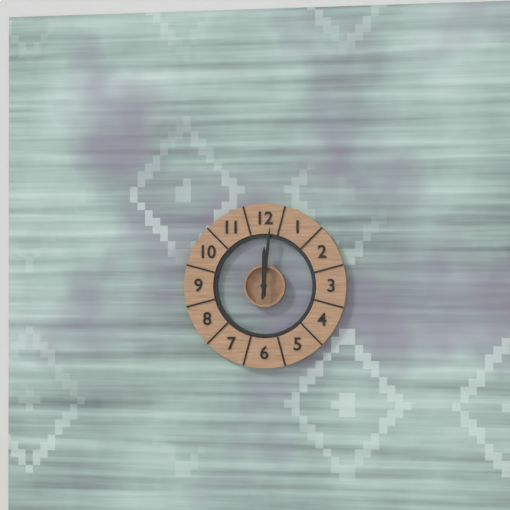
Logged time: 12:01
